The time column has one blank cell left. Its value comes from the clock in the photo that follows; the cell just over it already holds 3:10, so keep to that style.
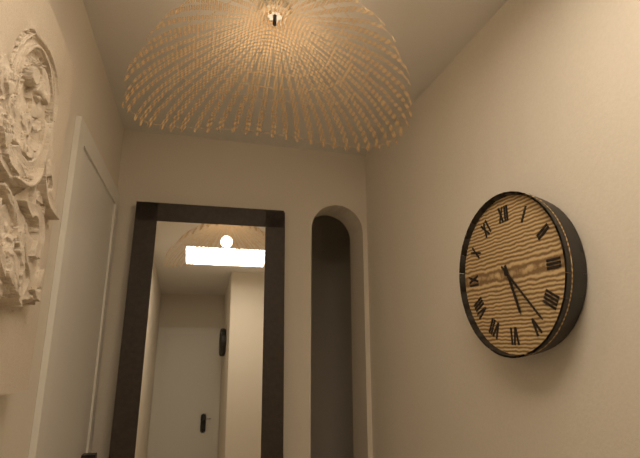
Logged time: 5:23
